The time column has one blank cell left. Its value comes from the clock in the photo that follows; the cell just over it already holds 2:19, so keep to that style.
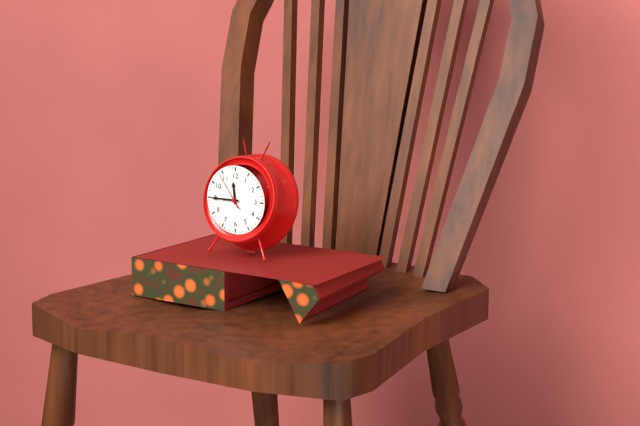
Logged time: 11:45
